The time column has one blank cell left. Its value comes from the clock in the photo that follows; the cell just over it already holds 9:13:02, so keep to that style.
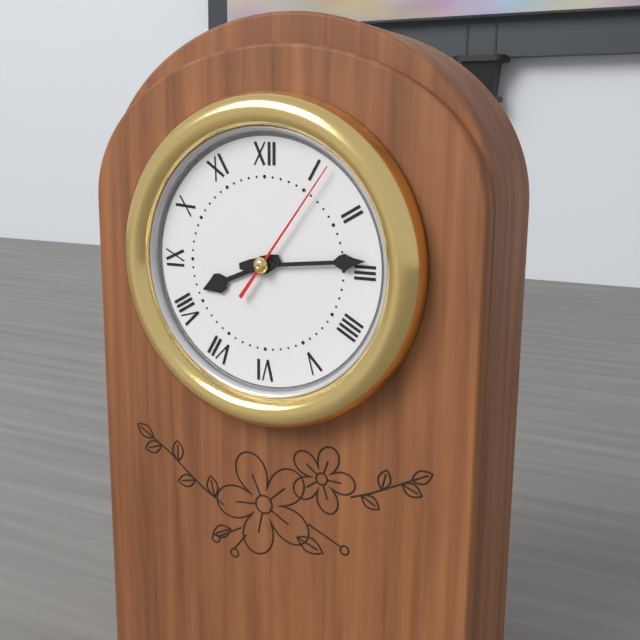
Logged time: 8:14:06
